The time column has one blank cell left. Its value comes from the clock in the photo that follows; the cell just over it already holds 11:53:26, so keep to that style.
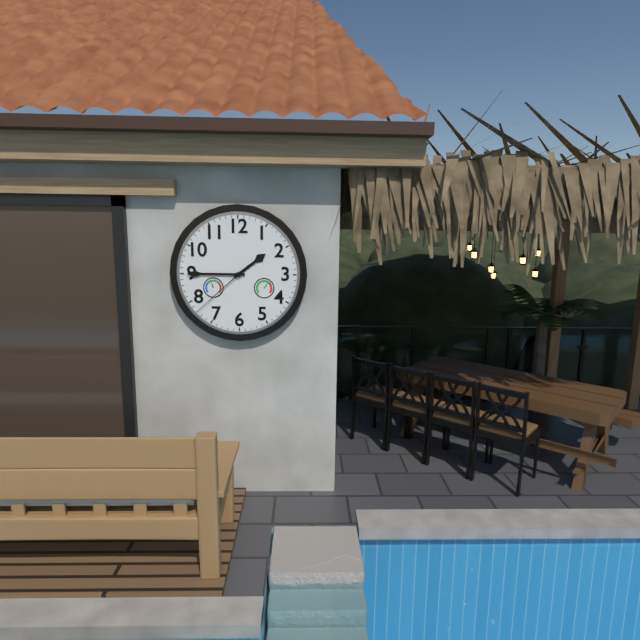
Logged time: 1:45:38
